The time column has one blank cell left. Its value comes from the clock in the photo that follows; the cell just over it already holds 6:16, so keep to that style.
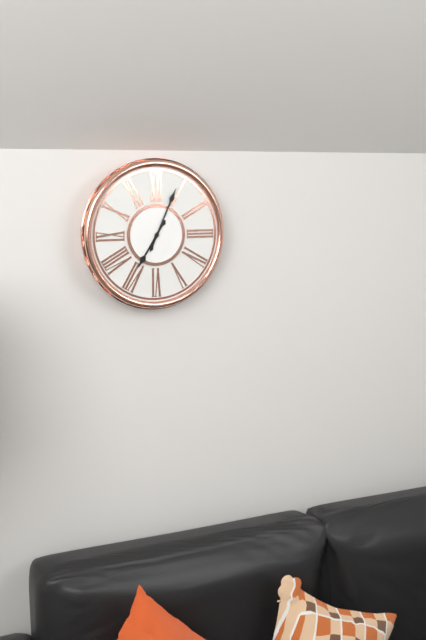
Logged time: 7:04
